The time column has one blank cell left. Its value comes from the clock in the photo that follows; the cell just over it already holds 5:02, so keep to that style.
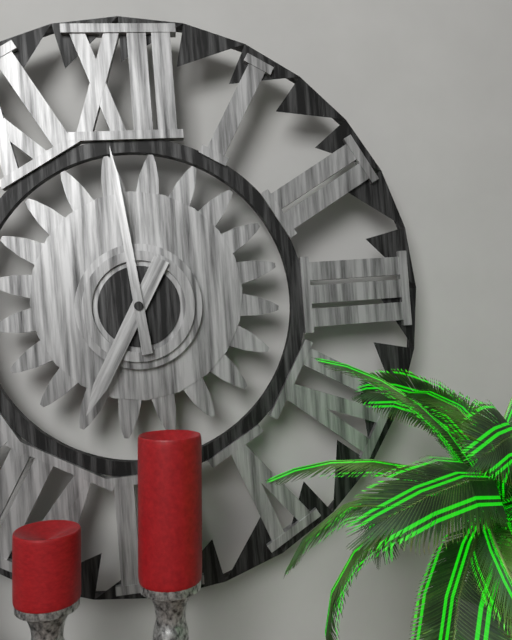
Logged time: 6:59
